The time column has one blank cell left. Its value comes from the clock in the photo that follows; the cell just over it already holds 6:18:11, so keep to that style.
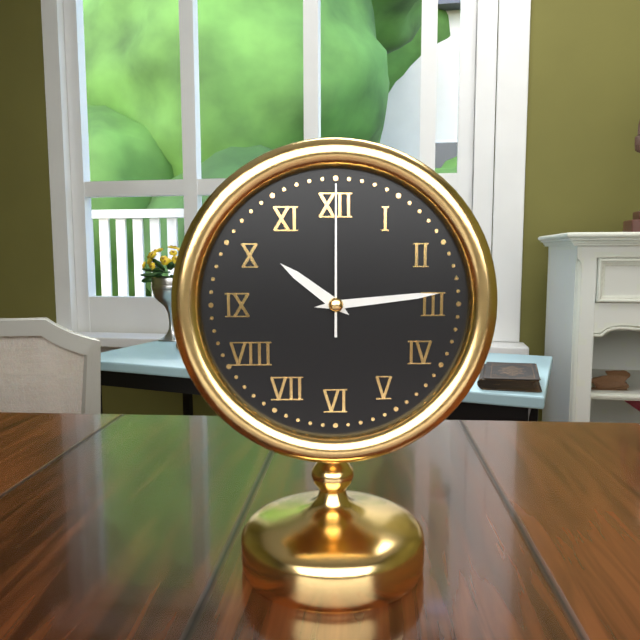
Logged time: 10:14:00
